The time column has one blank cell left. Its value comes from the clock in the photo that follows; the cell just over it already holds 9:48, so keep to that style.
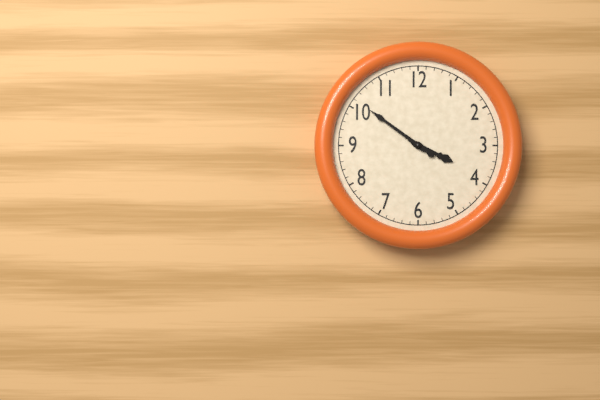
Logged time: 3:51
